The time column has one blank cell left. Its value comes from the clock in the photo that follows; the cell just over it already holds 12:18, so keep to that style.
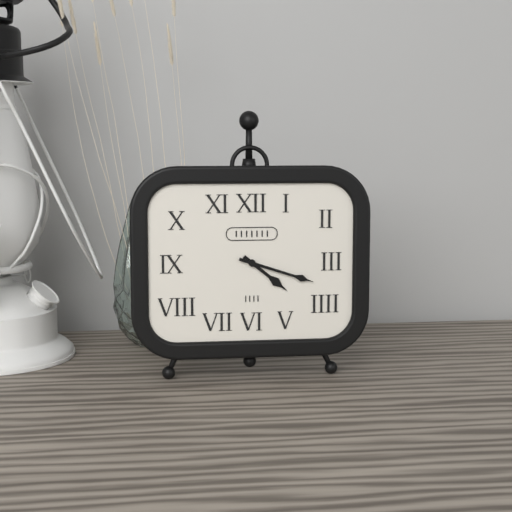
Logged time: 4:18
